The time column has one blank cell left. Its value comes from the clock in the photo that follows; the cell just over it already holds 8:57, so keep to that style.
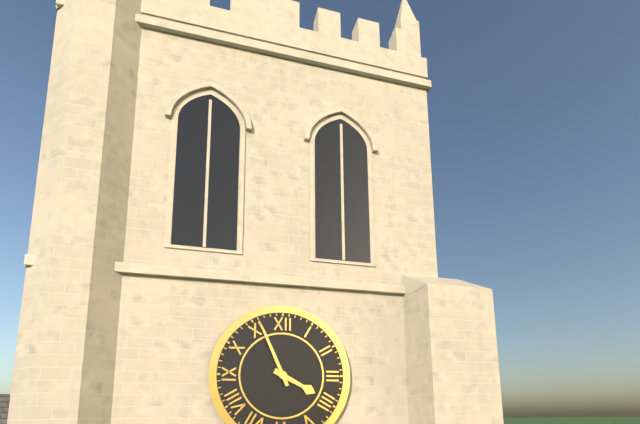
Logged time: 3:56
